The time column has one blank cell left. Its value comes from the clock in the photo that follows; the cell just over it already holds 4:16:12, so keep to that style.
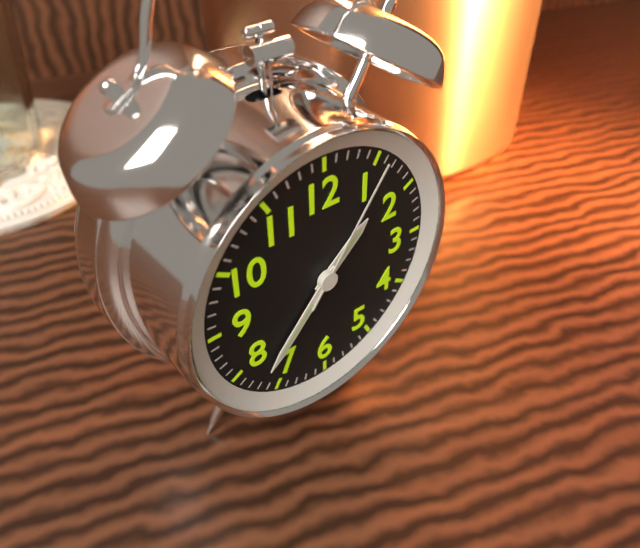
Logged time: 1:37:06
